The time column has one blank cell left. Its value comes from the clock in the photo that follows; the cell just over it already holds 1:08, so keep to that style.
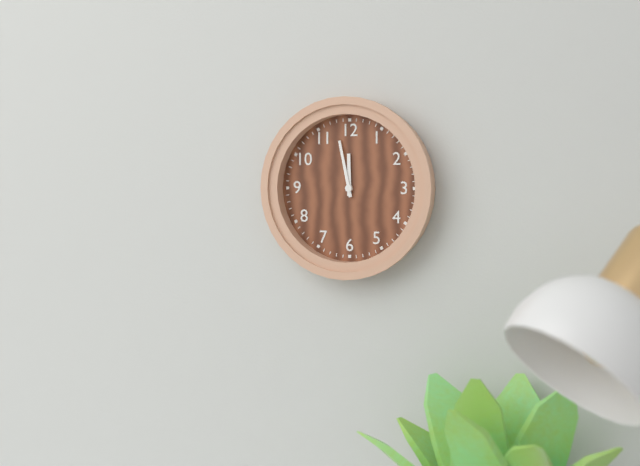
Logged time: 11:58
